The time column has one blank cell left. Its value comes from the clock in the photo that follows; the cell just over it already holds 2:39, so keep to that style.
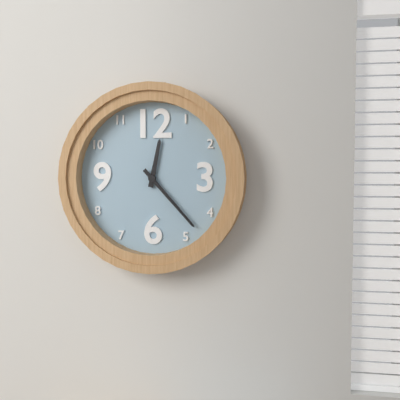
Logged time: 12:23
